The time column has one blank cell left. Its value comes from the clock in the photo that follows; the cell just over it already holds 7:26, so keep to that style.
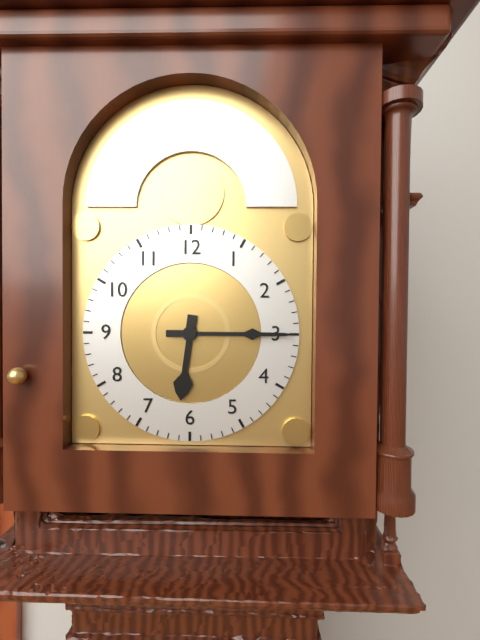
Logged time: 6:15
